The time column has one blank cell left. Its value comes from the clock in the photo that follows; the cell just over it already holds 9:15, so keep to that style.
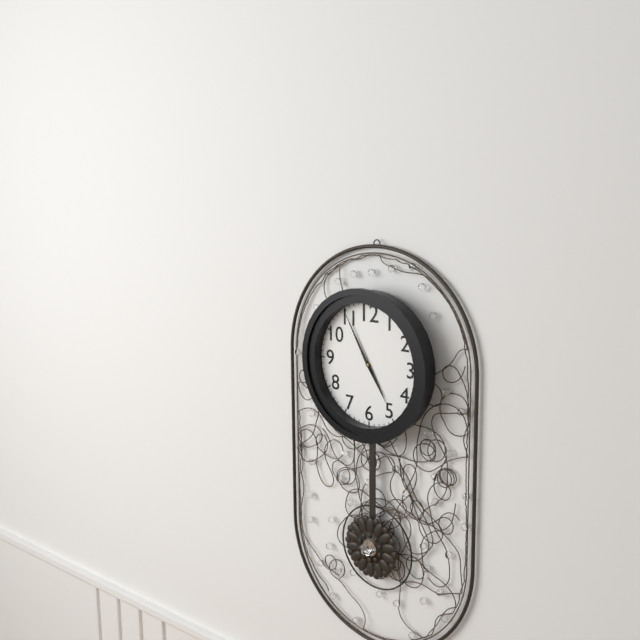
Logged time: 4:55
